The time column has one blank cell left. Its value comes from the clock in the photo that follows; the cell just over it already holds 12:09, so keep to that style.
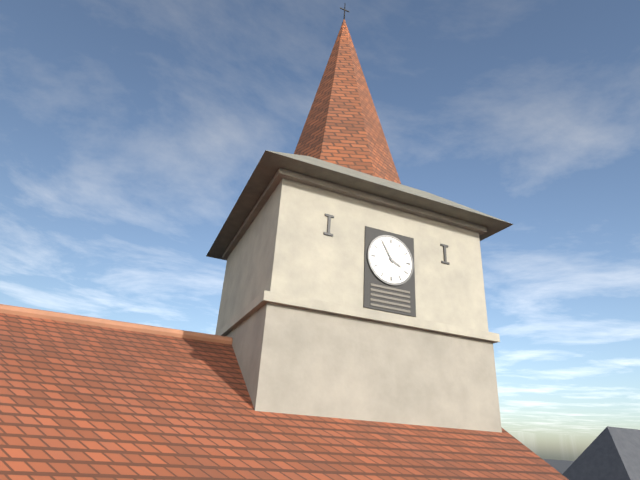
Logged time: 3:55
